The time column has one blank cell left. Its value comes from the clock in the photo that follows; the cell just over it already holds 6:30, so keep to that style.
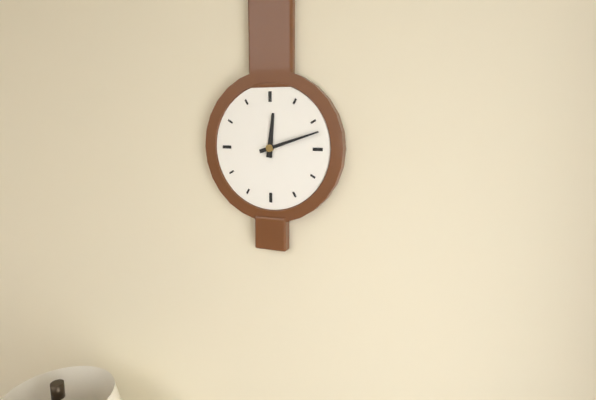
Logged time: 12:12
